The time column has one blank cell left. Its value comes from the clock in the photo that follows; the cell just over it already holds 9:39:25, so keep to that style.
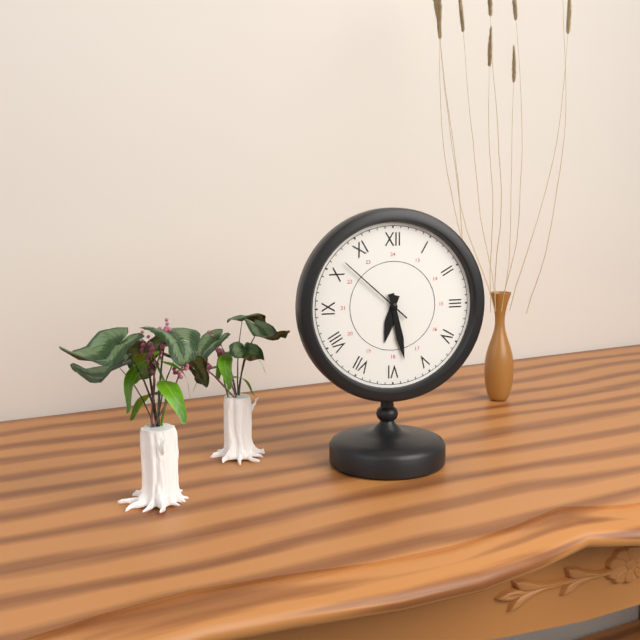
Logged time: 6:28:52
